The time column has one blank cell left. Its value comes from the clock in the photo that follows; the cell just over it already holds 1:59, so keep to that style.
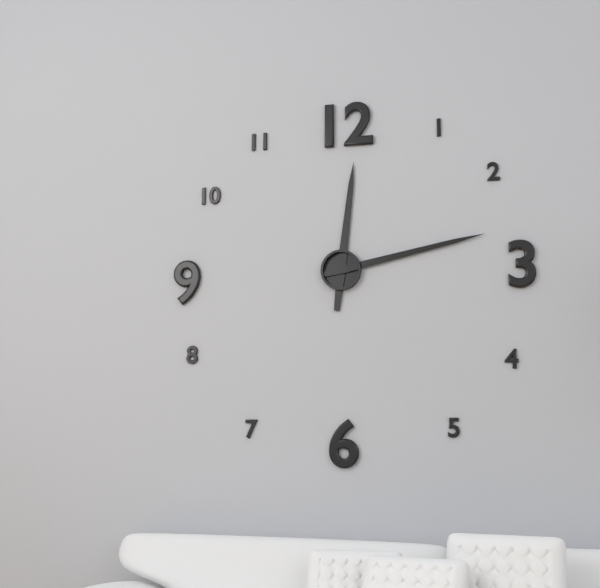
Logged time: 12:13
